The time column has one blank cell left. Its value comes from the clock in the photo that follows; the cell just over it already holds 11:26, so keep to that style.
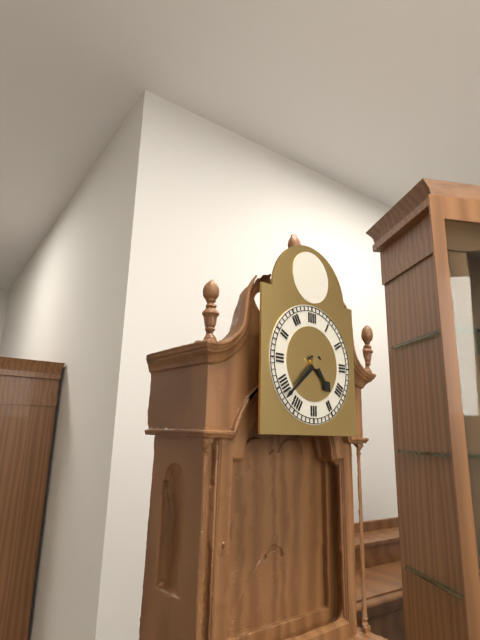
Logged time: 4:38
